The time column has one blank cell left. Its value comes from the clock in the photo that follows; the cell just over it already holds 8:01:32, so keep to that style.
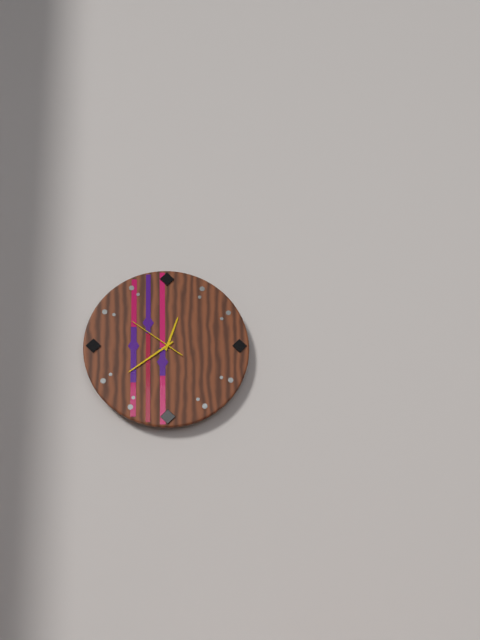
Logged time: 12:39:51
